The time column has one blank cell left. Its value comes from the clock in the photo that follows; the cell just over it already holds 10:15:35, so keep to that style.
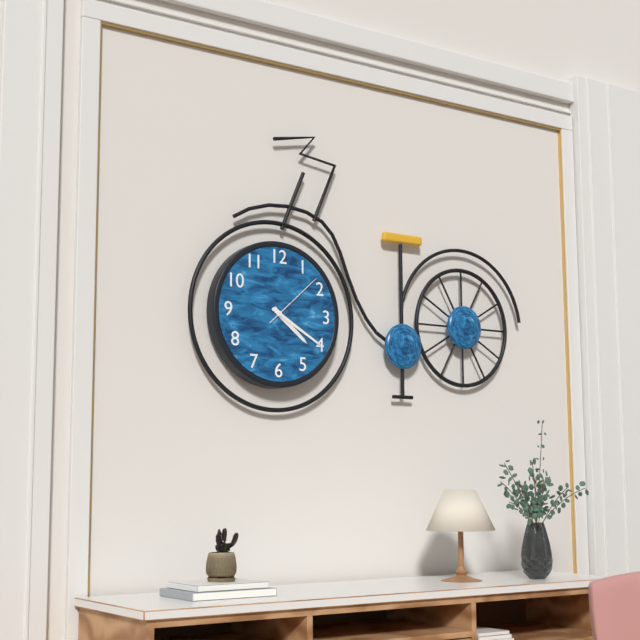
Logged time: 4:20:08
